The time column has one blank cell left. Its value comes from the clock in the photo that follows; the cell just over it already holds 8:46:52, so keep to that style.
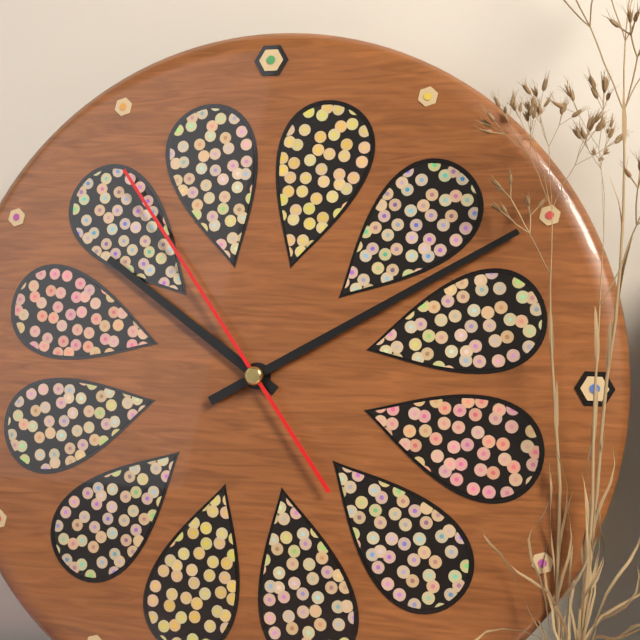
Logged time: 10:10:54
